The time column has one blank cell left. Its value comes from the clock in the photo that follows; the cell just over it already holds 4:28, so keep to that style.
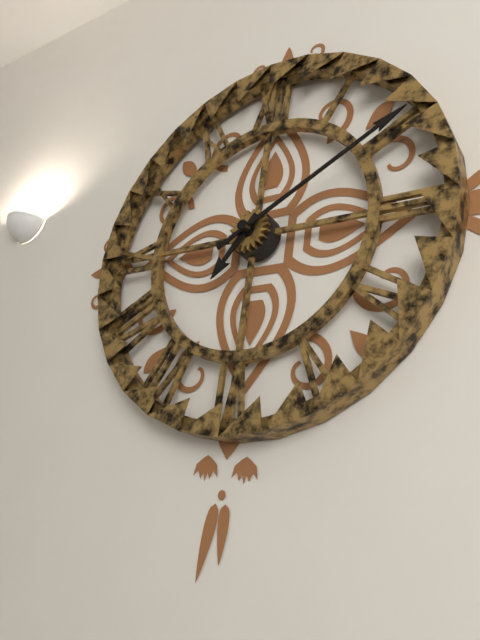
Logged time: 7:10
